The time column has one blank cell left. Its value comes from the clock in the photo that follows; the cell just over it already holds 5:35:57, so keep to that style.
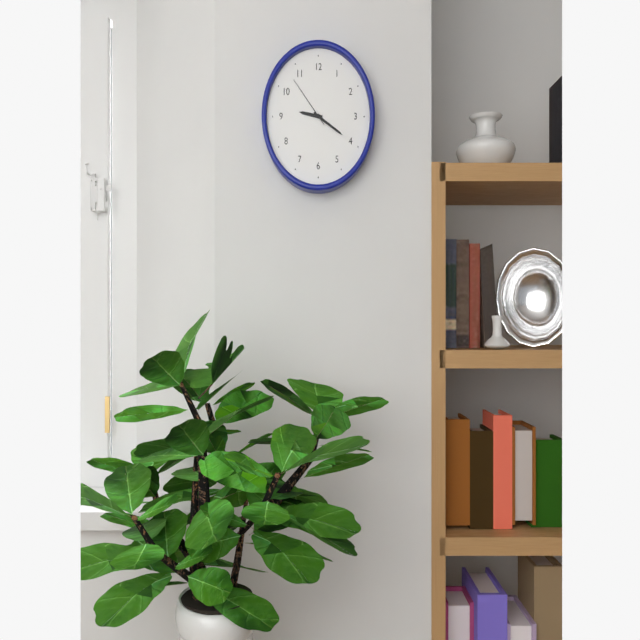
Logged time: 9:20:53
